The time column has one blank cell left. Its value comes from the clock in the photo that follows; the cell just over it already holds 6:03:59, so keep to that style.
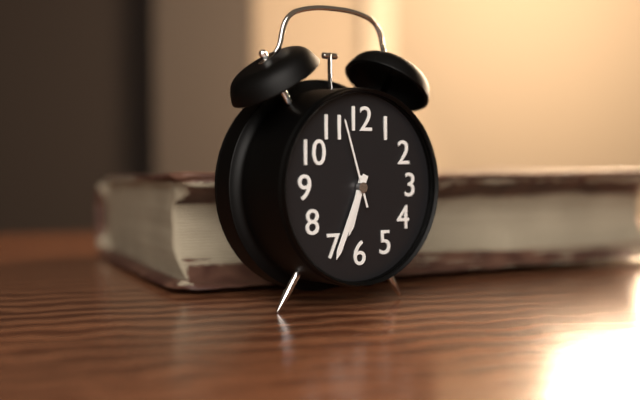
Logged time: 6:34:57
